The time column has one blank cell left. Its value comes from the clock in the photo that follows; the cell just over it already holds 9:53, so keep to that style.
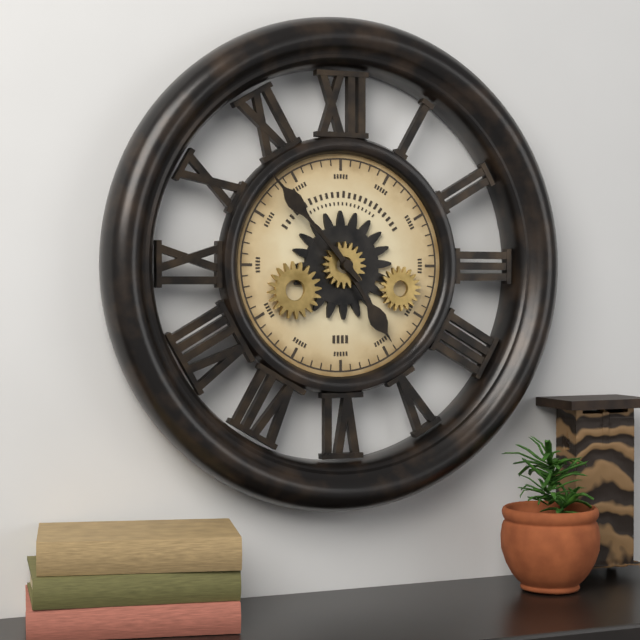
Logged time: 4:53
